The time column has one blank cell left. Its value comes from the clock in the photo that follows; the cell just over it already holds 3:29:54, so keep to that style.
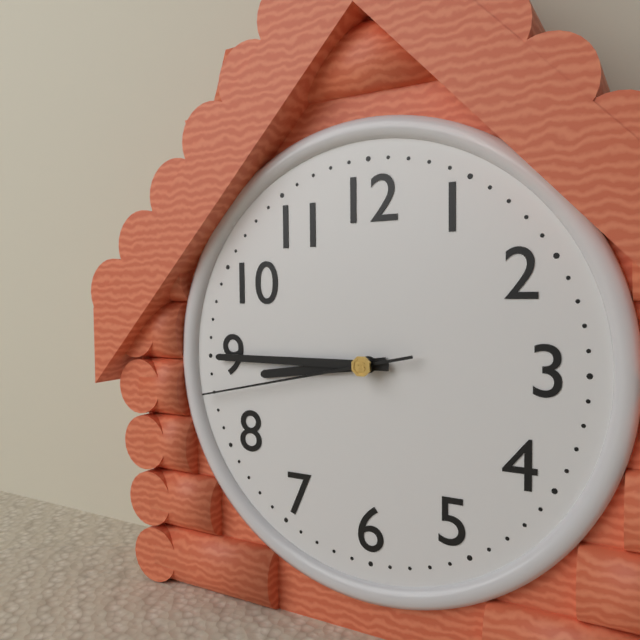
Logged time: 8:45:43
